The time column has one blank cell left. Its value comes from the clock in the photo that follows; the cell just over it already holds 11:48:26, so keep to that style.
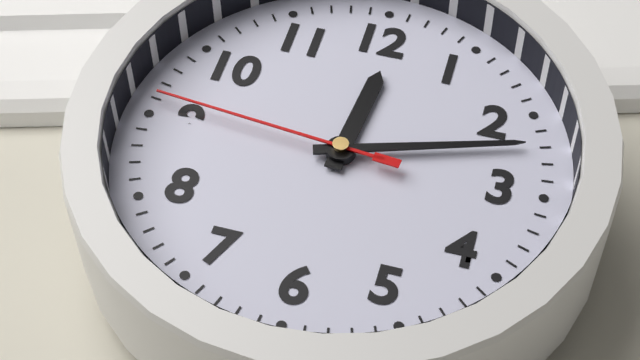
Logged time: 12:12:46
